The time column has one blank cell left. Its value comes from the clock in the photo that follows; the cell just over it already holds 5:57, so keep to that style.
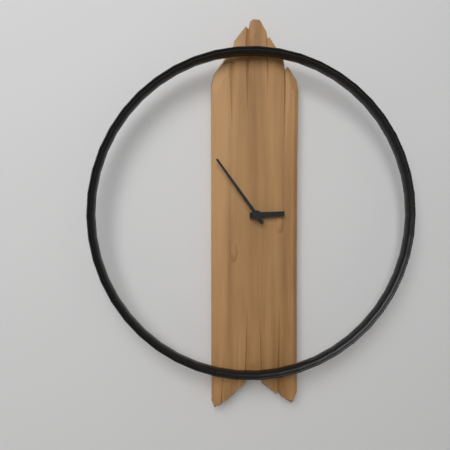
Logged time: 2:54
